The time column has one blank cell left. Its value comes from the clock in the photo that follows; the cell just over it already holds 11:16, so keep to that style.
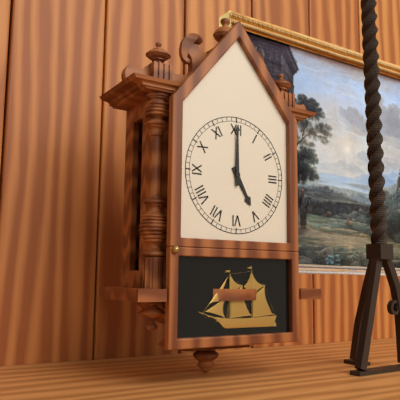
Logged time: 5:00
